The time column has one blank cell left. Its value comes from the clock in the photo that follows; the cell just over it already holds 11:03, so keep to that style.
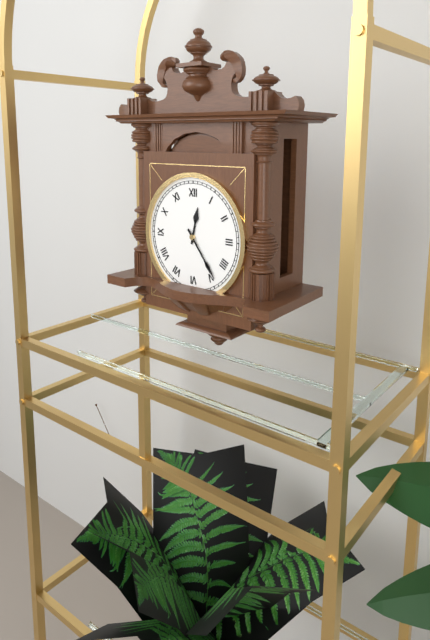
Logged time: 12:24
